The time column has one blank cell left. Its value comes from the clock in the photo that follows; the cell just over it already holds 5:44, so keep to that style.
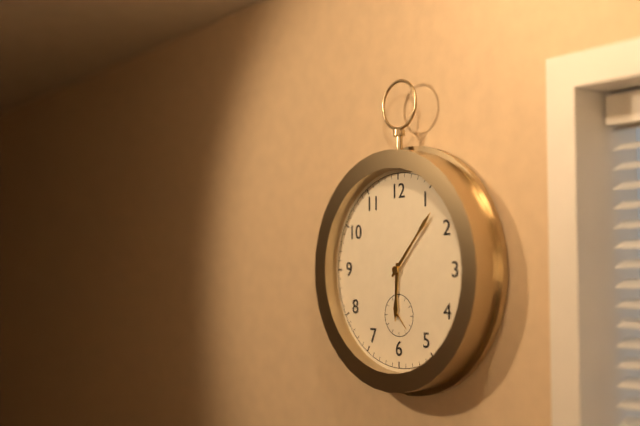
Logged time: 6:07
